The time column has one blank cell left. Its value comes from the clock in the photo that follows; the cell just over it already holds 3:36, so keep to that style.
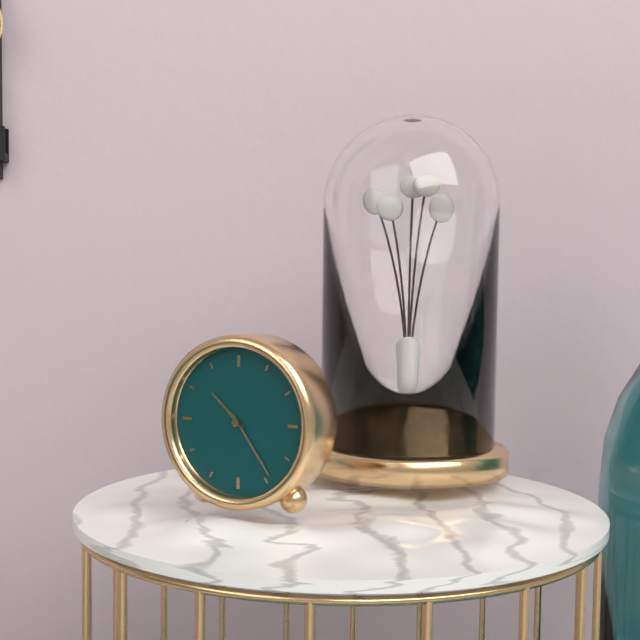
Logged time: 10:24
